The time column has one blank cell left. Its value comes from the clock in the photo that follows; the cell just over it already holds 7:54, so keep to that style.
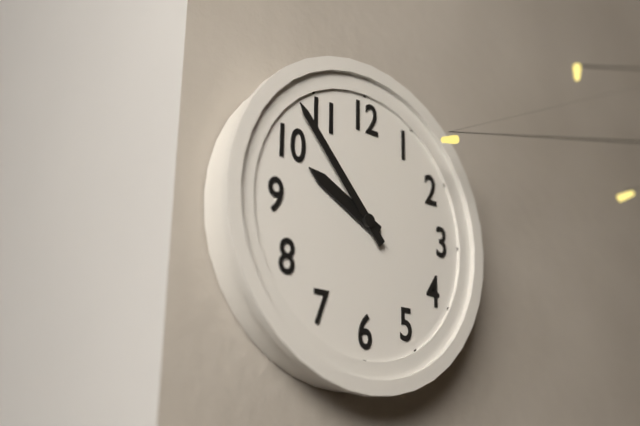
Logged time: 9:53
